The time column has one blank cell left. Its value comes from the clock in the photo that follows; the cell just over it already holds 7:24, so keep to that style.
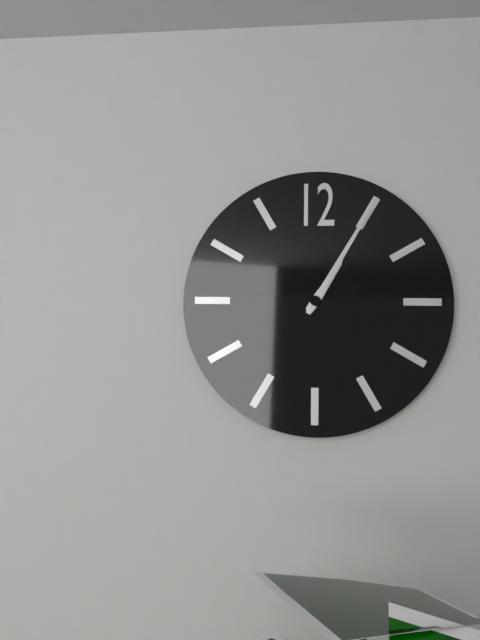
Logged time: 1:05
